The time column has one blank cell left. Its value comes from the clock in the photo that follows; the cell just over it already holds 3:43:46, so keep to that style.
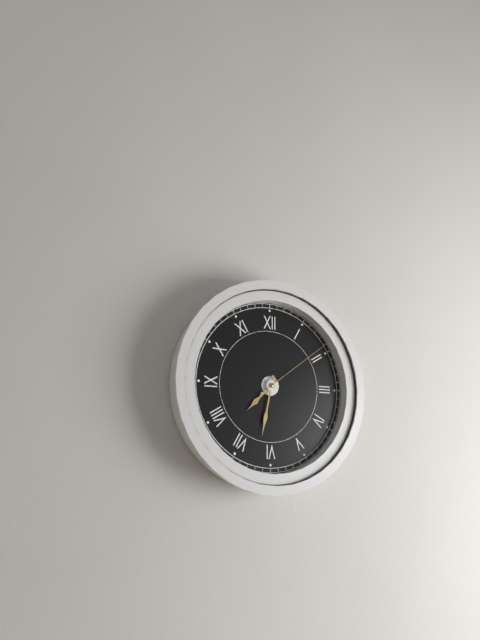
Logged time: 7:32:09
